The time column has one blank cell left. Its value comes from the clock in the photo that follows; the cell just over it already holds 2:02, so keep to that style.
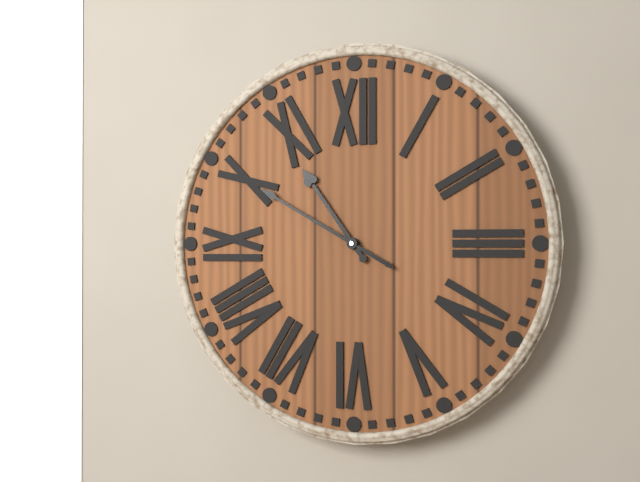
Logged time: 10:50
